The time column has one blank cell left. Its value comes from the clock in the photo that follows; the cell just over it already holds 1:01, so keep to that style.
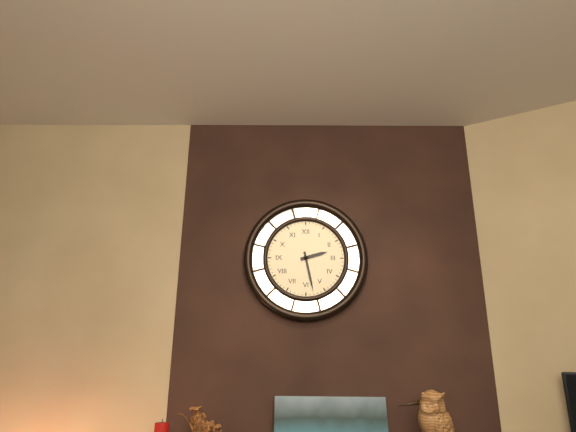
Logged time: 2:28
